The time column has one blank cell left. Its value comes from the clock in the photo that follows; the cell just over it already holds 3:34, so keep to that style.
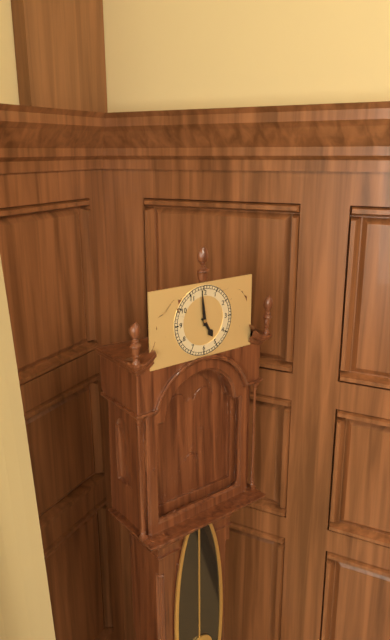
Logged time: 4:59
